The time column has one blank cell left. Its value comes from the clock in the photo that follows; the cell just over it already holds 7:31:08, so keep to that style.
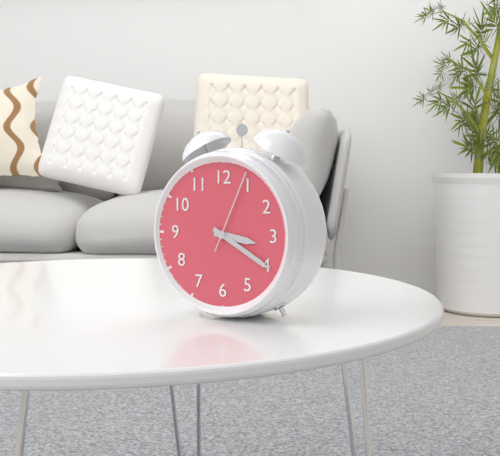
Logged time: 3:20:04
